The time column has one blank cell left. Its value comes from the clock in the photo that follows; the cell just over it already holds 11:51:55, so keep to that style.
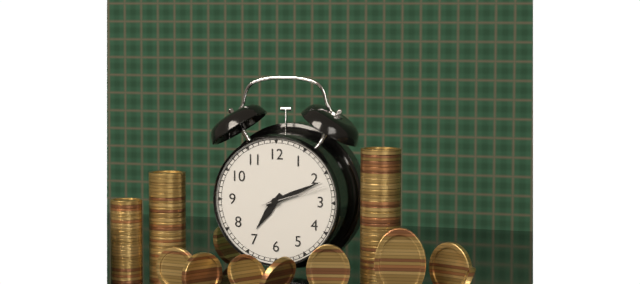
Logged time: 7:11:12
